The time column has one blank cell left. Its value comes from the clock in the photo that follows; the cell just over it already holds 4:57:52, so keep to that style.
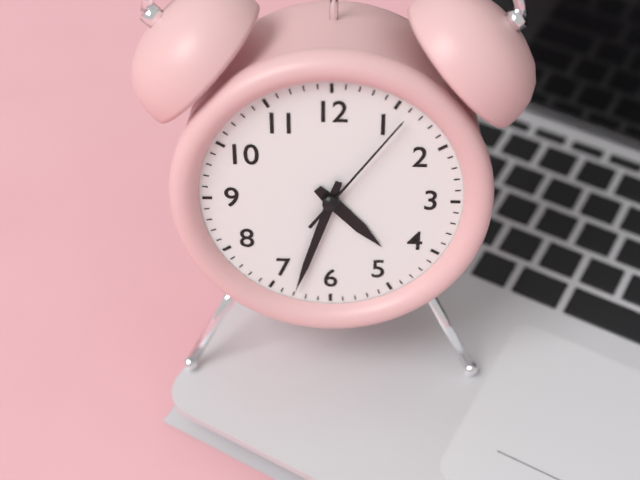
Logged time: 4:33:06
